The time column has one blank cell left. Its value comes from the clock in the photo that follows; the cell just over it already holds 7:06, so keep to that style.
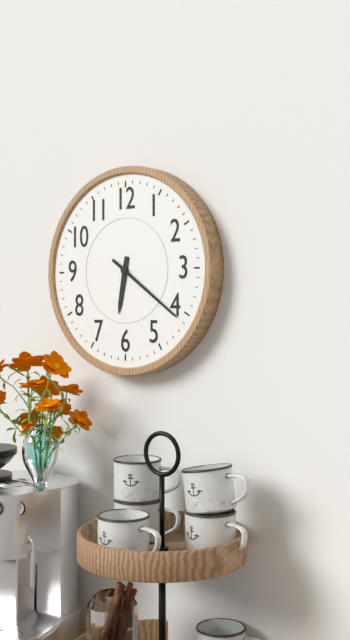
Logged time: 6:21
